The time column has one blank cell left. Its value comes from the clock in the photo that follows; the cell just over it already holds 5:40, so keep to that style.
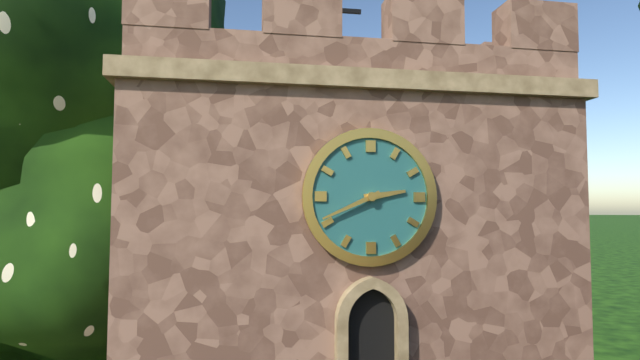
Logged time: 2:41
